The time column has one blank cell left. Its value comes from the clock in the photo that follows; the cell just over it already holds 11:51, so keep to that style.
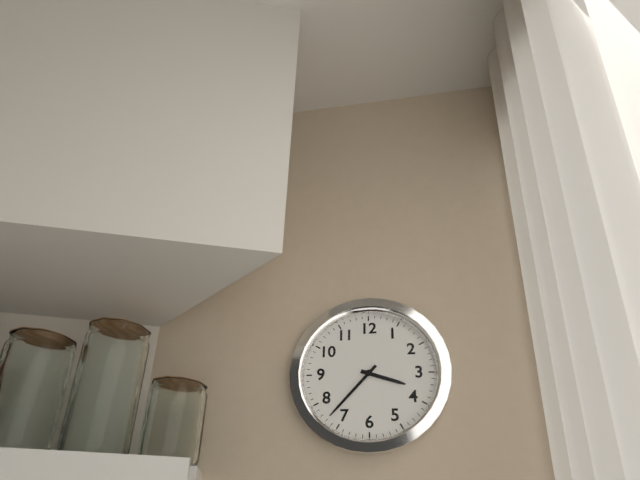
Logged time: 3:37
